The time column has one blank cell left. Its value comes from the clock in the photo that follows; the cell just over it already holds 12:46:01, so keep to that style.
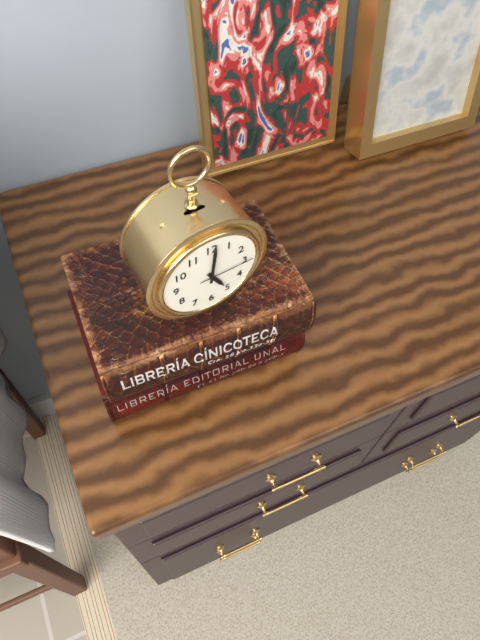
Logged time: 5:01:15
